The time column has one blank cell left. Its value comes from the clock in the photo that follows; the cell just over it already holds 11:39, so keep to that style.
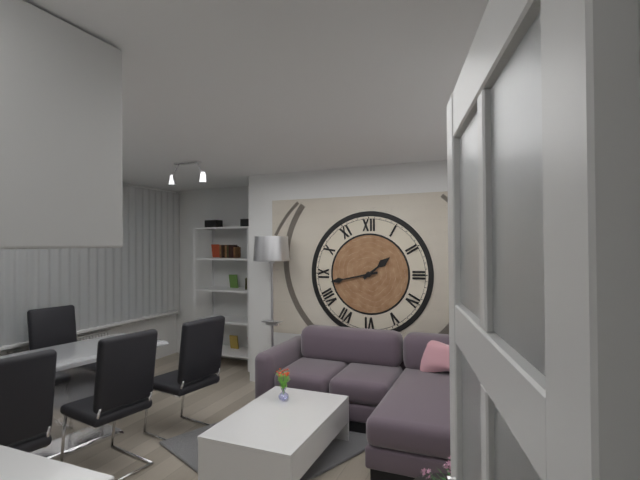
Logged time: 1:43
